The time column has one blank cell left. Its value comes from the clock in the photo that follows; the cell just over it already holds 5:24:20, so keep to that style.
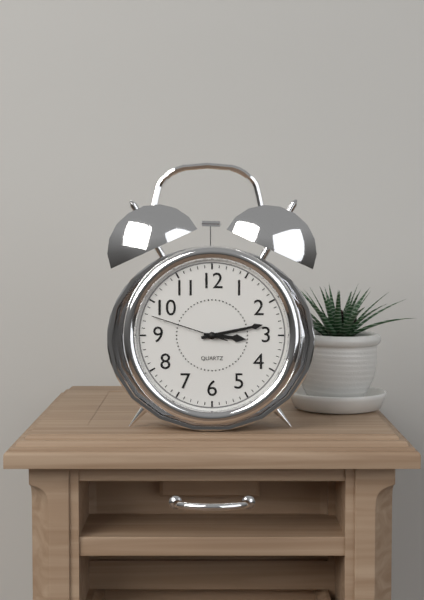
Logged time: 3:13:48
